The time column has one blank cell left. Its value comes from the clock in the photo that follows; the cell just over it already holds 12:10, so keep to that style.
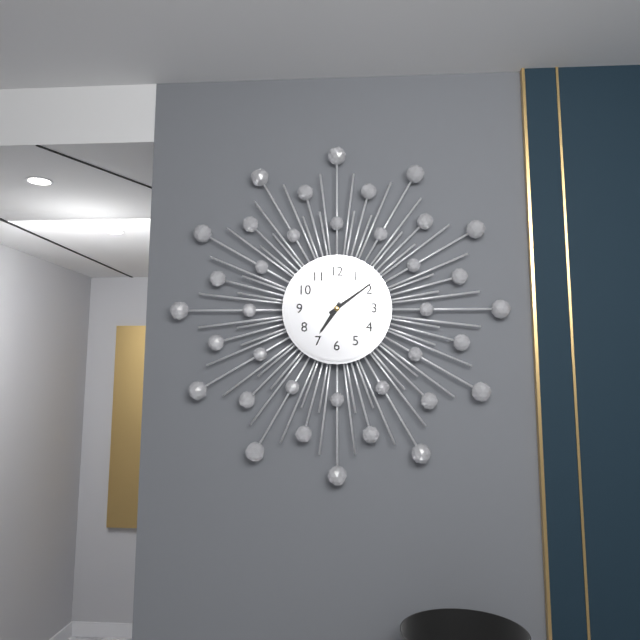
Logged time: 7:09
